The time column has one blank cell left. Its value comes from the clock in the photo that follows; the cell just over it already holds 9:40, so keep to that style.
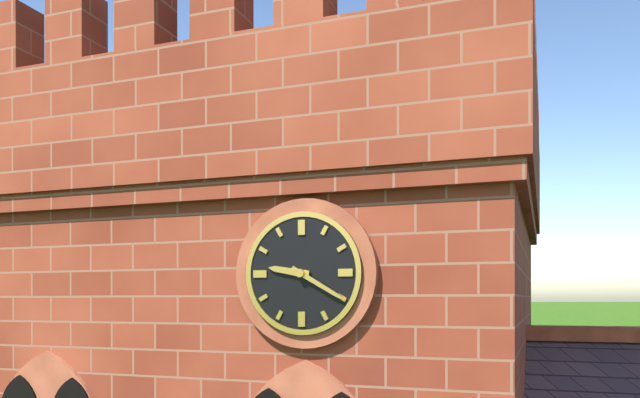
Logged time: 9:20
